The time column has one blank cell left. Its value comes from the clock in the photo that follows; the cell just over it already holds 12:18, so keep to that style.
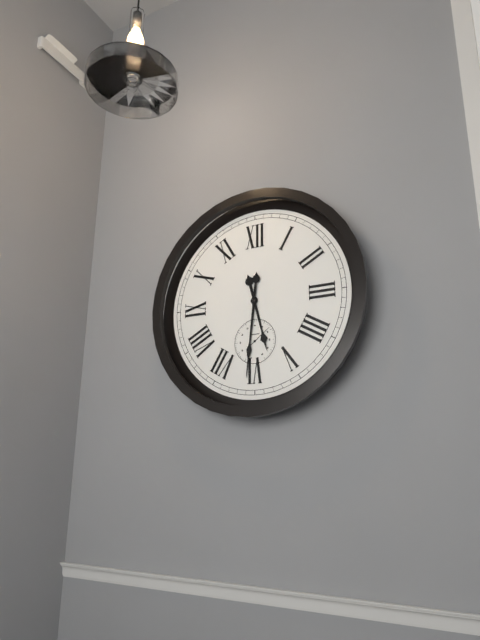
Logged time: 5:31
